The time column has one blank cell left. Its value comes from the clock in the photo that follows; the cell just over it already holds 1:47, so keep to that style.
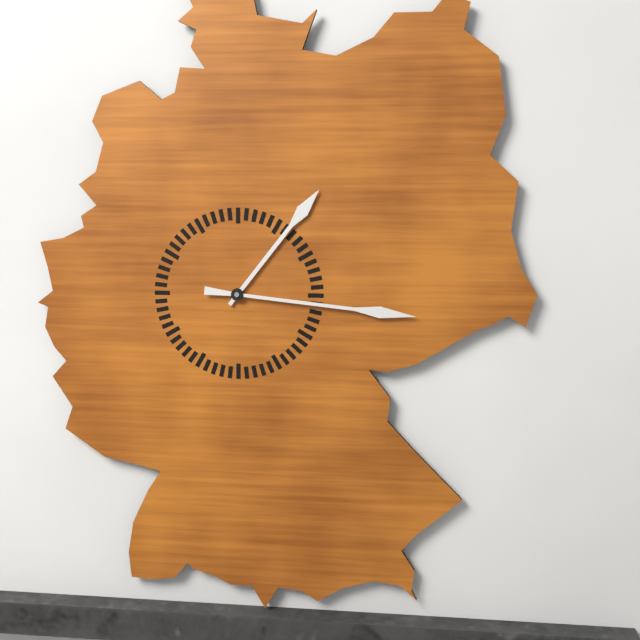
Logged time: 1:16
